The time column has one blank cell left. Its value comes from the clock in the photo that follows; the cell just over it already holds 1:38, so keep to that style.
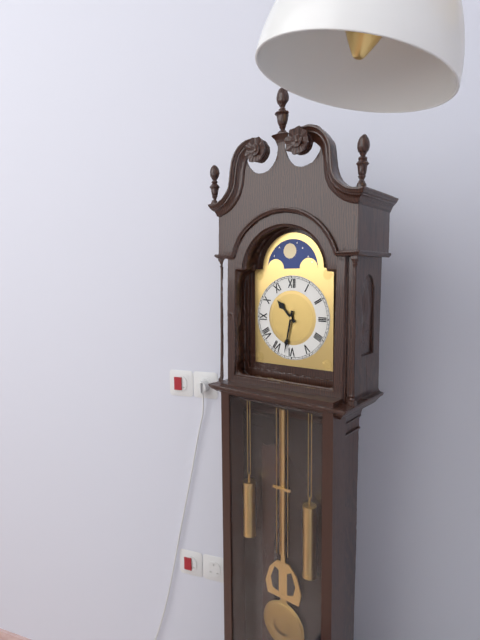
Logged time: 10:32
